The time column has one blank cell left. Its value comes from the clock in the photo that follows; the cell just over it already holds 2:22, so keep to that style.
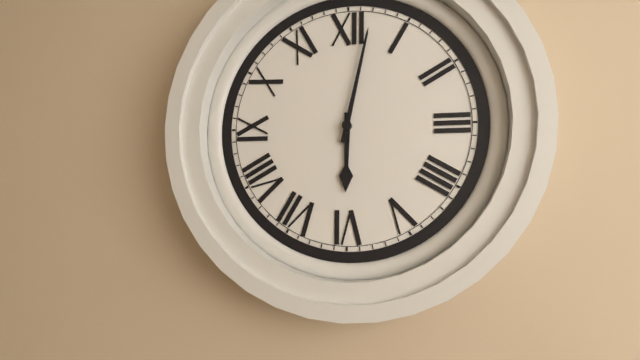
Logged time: 6:02
